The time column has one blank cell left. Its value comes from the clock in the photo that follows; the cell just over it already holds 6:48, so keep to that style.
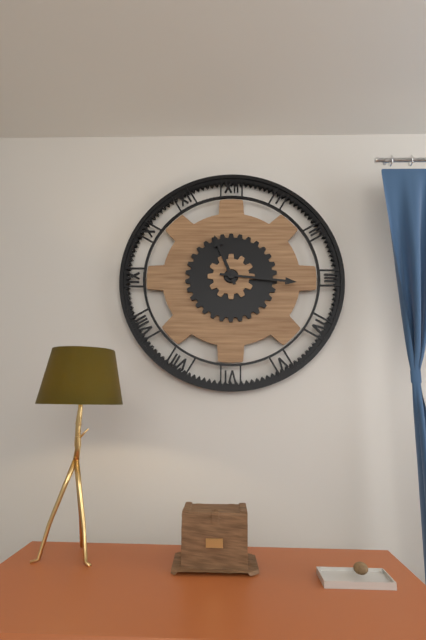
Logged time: 11:16
